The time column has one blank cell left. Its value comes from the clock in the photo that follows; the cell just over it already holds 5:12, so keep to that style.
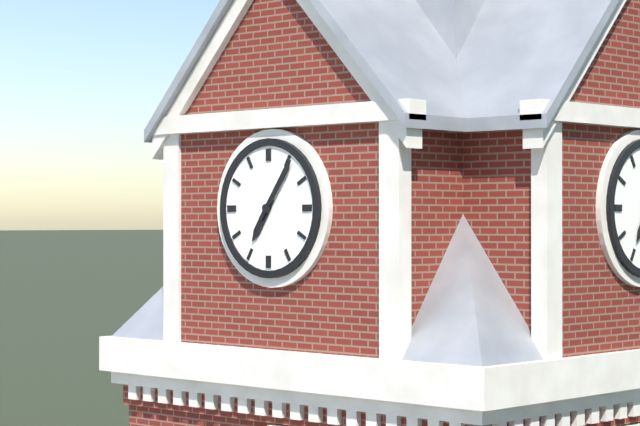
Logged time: 7:06
